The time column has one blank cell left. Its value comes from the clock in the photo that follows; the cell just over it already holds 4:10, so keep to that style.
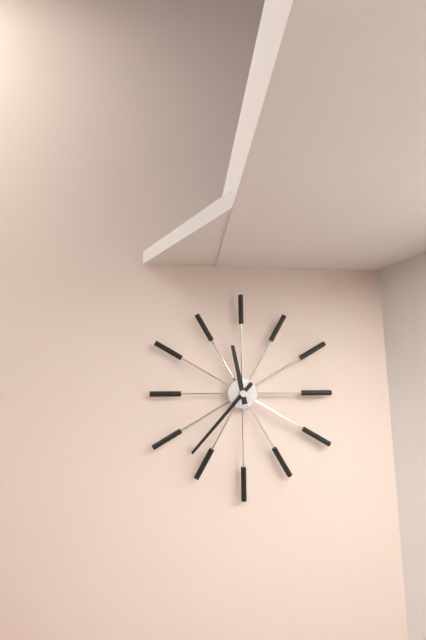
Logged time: 11:37
